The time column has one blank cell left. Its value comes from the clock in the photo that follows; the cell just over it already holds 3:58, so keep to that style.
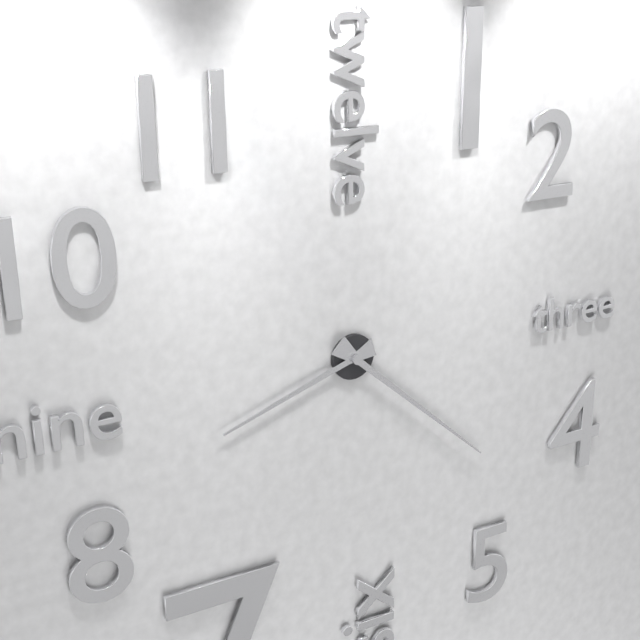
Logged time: 8:22
